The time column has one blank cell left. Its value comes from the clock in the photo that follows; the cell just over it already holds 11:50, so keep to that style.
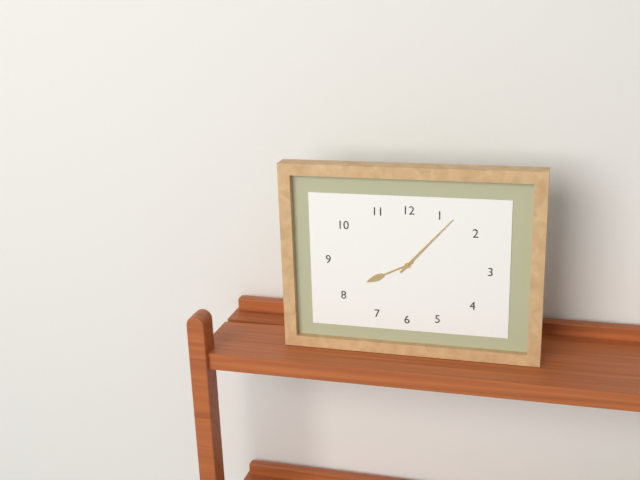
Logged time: 8:07
